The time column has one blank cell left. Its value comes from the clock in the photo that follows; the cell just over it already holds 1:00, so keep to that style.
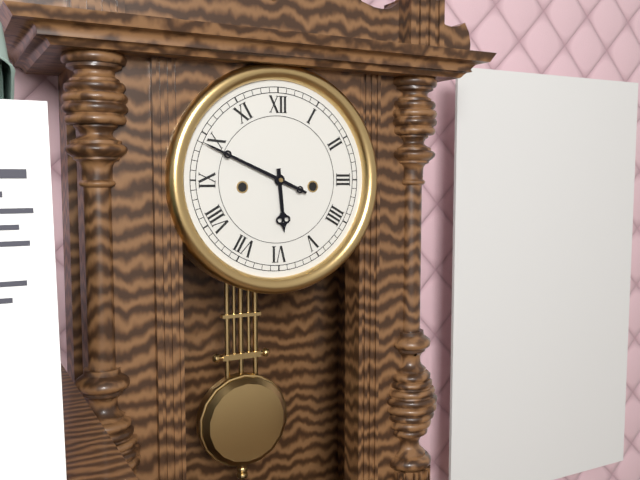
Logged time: 5:49
